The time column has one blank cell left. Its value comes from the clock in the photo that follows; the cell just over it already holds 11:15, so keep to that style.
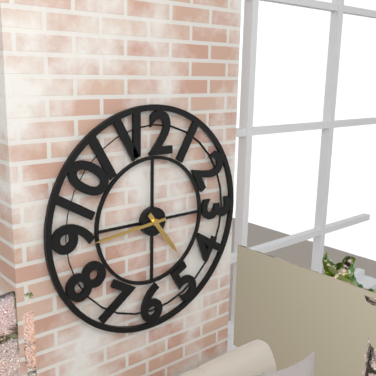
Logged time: 4:44
